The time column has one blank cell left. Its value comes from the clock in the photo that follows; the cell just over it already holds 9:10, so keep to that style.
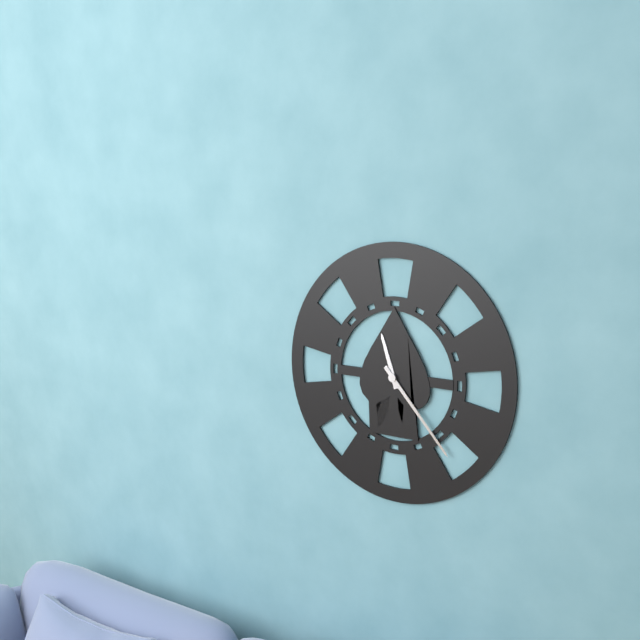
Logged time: 11:23
